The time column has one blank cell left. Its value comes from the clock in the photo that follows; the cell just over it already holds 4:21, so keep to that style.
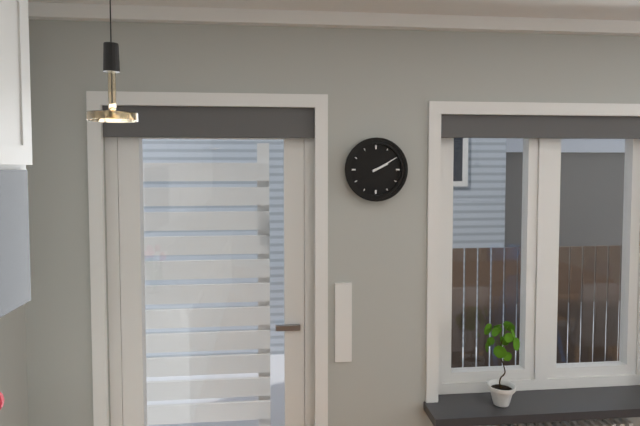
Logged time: 2:10
